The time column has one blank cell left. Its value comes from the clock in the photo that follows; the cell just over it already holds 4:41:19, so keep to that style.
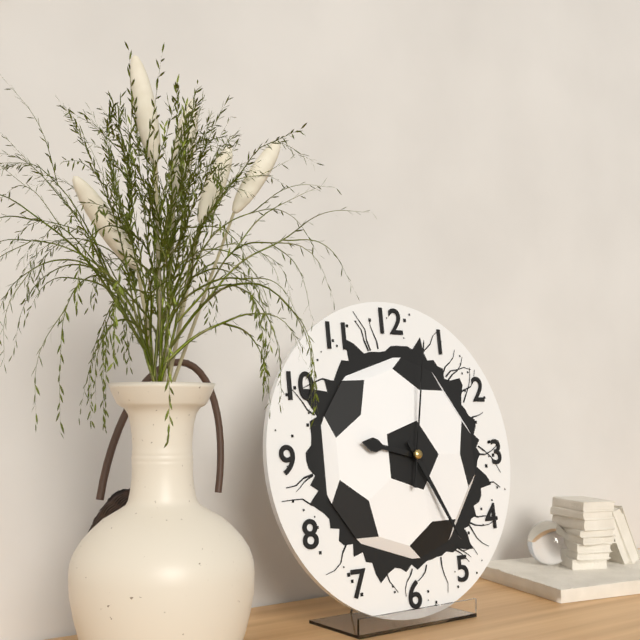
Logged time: 9:25:02
